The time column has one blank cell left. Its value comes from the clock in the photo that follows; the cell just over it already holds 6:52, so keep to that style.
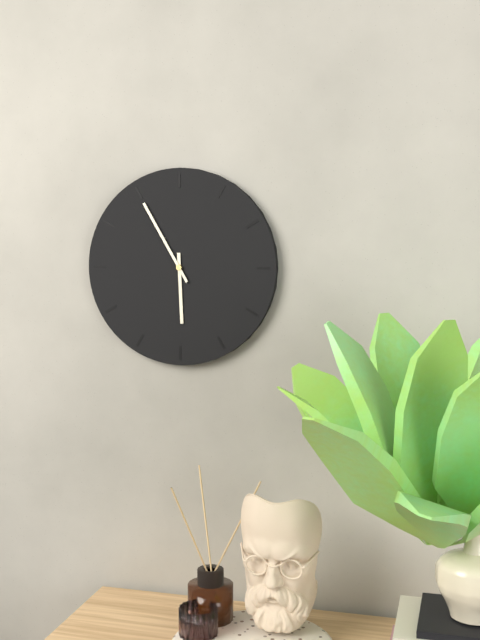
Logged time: 5:55
